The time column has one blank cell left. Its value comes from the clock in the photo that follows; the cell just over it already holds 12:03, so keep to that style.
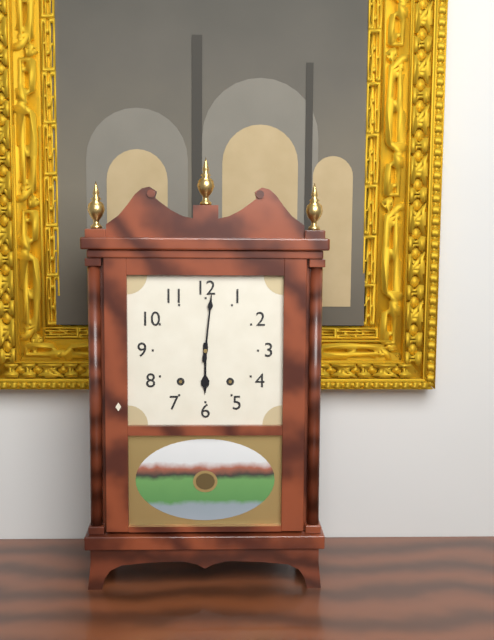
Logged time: 6:01
